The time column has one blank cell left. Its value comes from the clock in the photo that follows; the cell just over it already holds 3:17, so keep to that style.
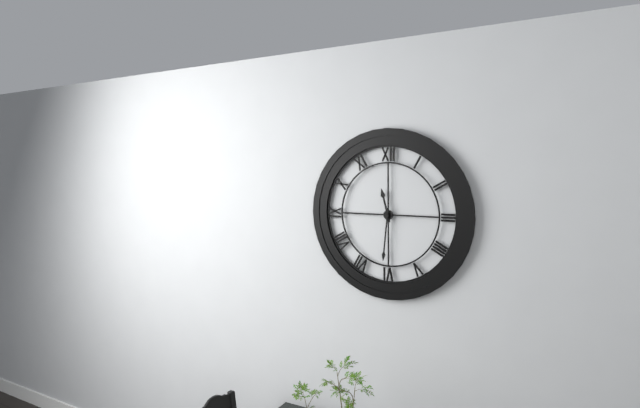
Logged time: 11:31
